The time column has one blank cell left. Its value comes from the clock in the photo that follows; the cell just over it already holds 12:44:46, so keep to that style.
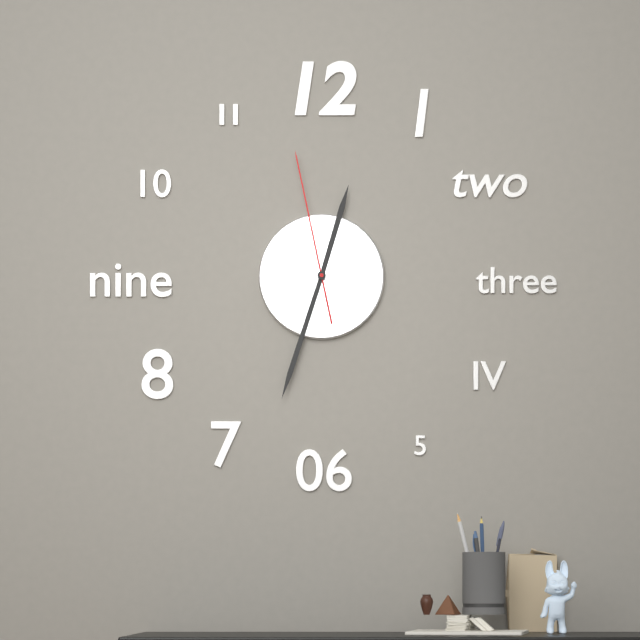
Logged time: 12:33:58
